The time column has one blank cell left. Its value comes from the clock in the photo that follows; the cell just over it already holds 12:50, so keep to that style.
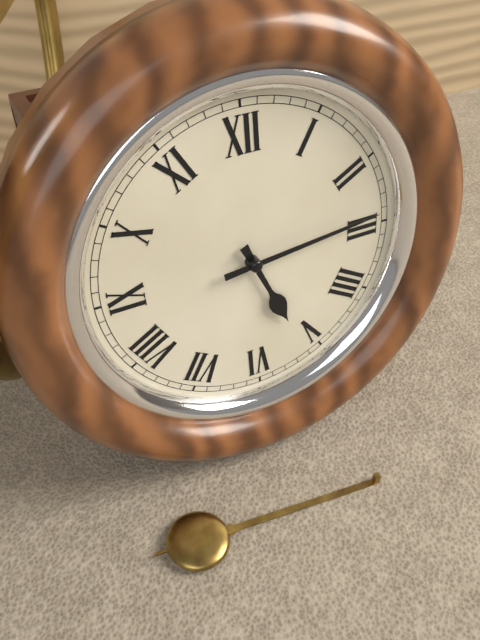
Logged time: 5:14
